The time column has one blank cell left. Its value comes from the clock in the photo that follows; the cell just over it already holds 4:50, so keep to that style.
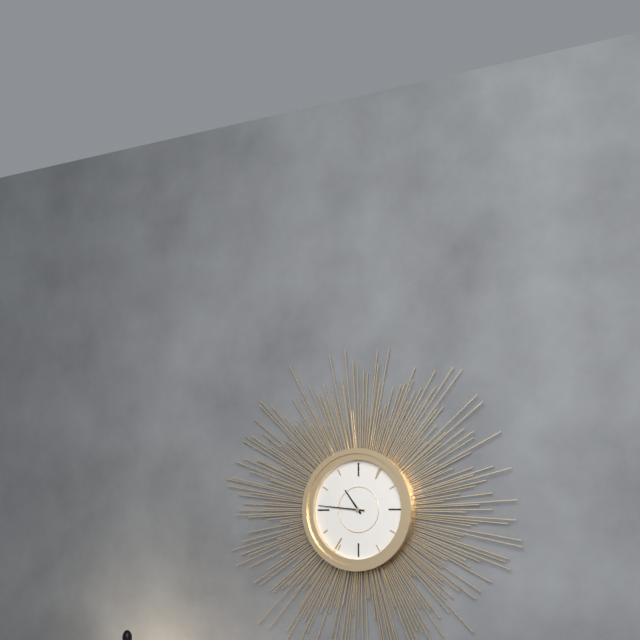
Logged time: 10:46
